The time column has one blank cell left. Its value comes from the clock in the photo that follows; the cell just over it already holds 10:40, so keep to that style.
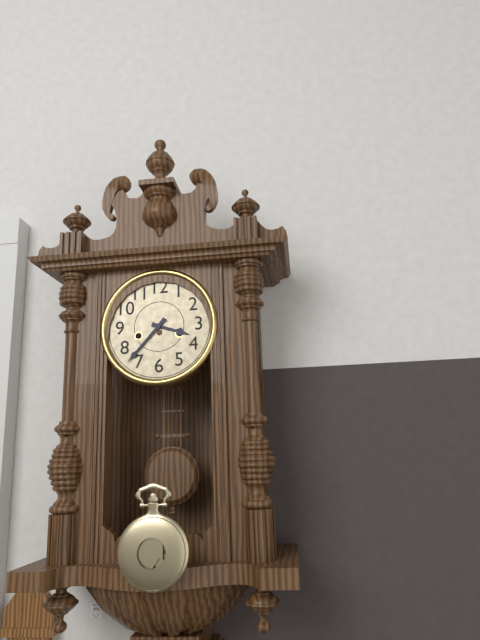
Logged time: 3:37
